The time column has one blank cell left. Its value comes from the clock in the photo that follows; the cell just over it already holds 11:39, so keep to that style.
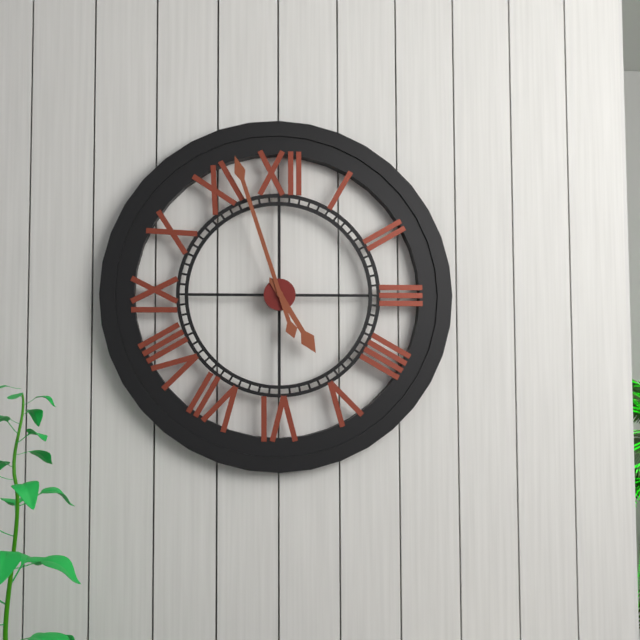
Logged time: 4:57
